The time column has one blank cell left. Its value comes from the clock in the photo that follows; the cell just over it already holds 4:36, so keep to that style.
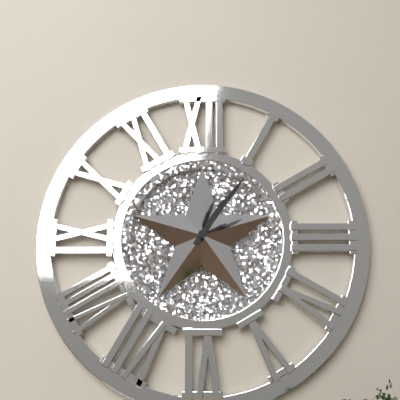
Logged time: 1:06
